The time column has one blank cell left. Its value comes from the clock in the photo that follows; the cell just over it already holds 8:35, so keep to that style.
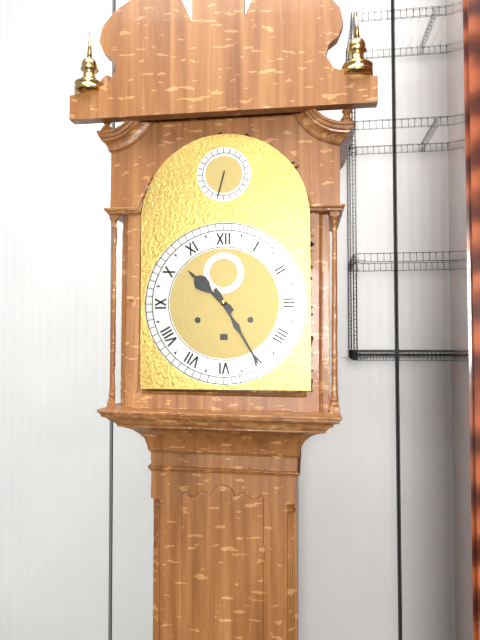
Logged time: 10:25
